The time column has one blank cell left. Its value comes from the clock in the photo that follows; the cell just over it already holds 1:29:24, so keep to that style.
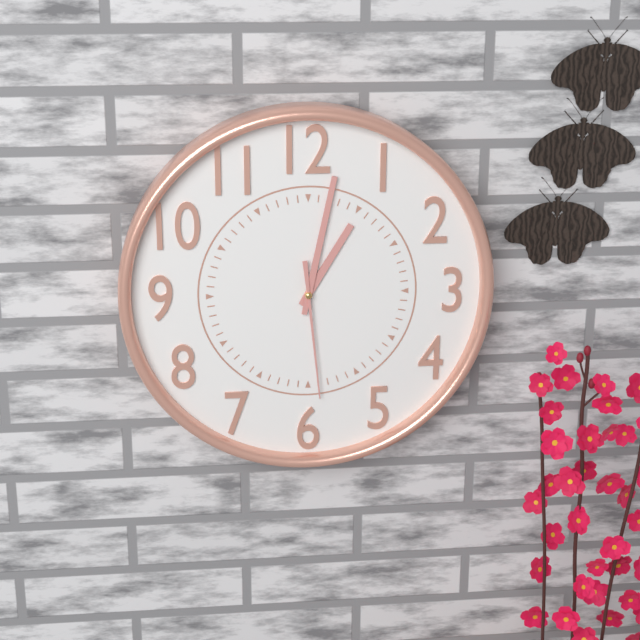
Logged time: 1:02:29
